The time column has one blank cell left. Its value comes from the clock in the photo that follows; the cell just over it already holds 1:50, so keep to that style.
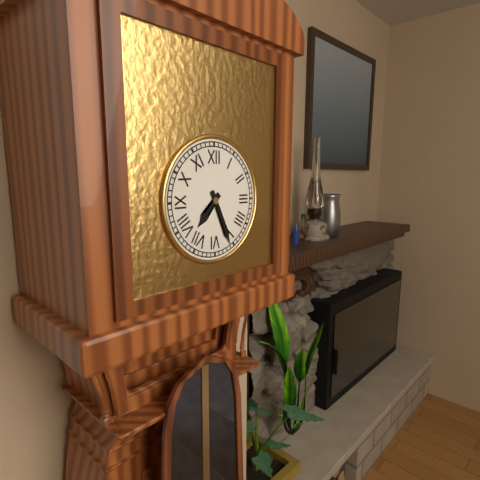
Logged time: 7:26
